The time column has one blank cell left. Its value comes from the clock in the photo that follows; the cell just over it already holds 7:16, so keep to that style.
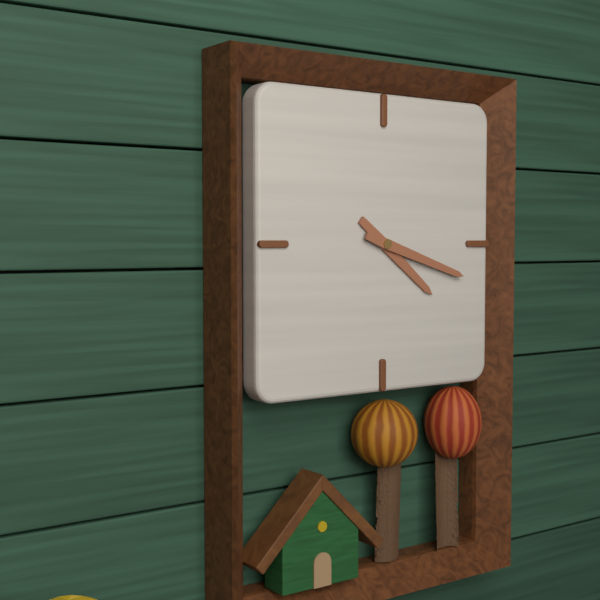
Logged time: 4:18
